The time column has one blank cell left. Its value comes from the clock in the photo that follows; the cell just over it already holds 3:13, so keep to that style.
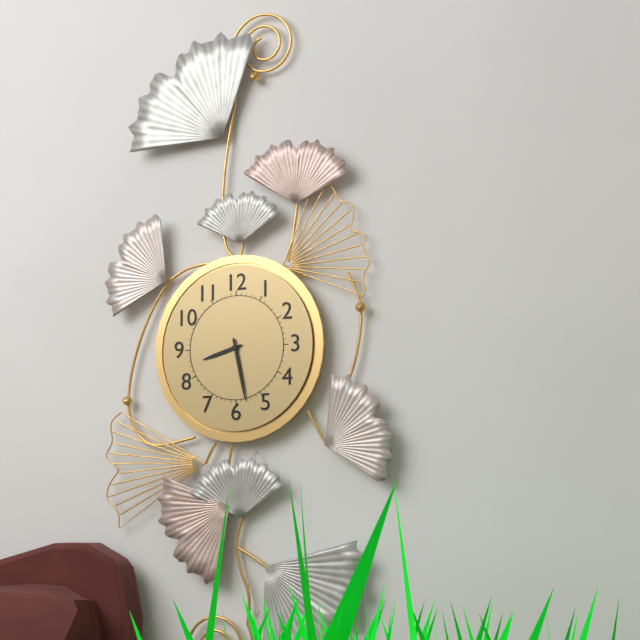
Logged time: 8:28
